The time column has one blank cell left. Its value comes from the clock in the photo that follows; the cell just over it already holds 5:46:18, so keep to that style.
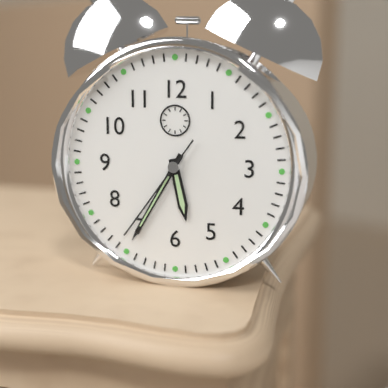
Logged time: 5:35:36
